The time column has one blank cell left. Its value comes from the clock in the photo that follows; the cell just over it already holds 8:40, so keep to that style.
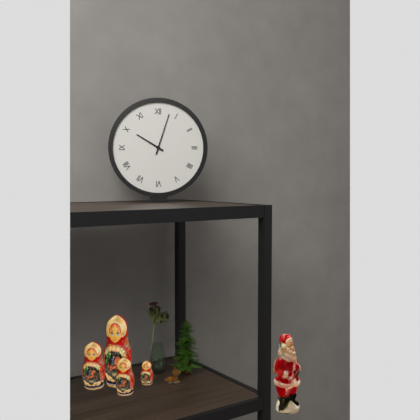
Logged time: 10:03
